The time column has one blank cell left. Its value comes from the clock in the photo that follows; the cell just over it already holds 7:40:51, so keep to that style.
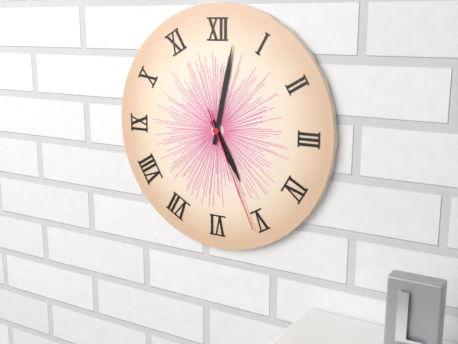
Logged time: 5:02:26
